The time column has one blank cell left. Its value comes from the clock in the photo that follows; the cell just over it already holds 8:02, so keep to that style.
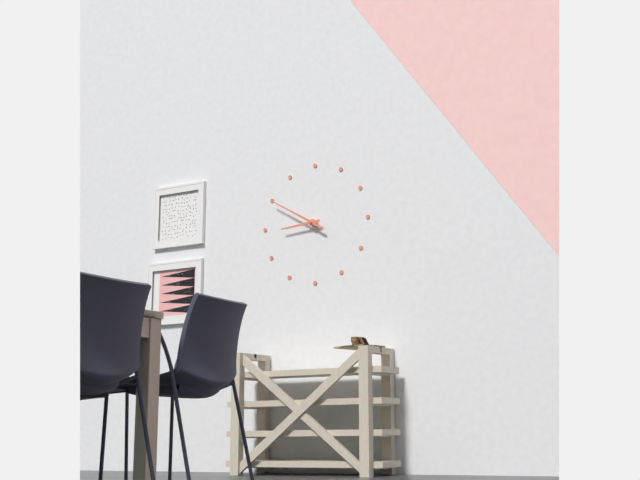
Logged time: 8:50
